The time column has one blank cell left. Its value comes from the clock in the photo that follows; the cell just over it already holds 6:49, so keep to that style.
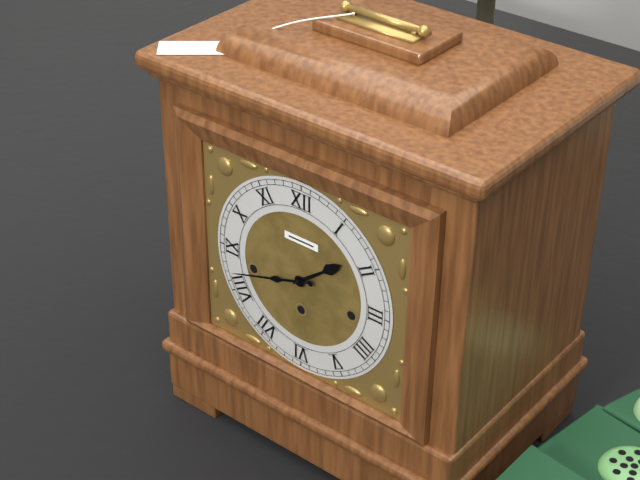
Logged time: 1:42
